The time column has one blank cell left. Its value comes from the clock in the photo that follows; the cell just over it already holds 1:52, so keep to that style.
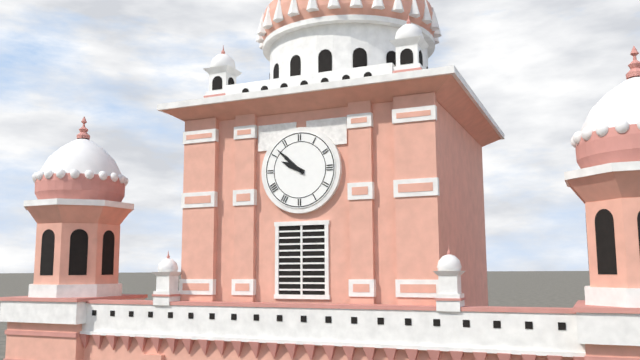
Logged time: 9:52
